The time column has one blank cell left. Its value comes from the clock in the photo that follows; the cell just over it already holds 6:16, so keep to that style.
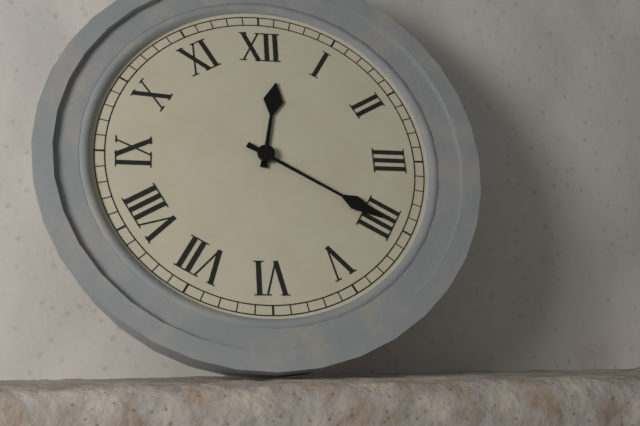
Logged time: 12:20
